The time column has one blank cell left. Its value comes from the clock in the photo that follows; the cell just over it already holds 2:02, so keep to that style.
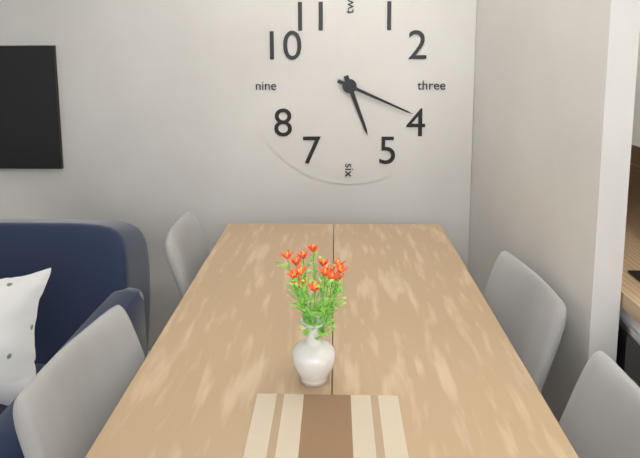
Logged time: 5:19
